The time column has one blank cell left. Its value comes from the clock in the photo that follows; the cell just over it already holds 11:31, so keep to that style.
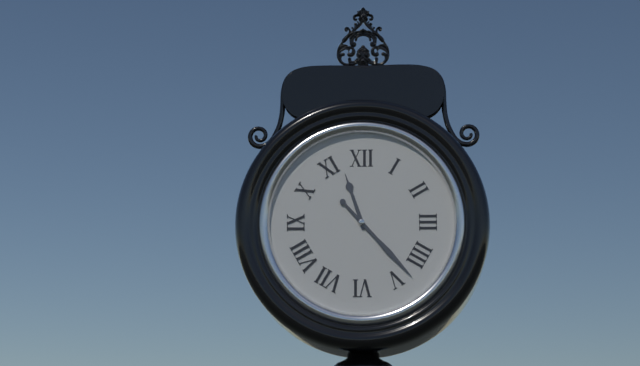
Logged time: 11:23
